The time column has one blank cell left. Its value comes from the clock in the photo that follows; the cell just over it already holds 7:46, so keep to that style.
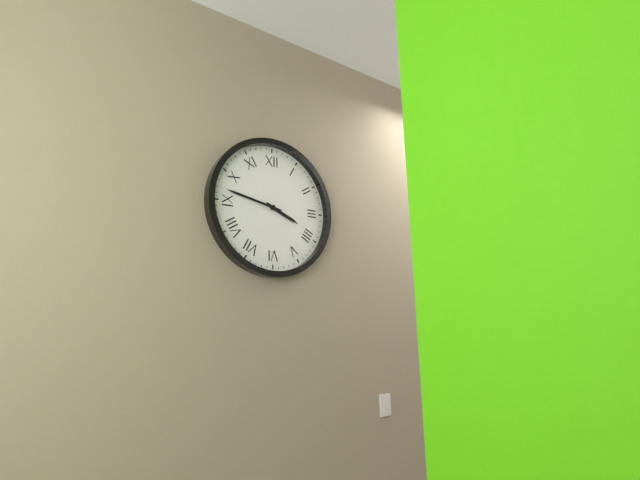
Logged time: 3:47
